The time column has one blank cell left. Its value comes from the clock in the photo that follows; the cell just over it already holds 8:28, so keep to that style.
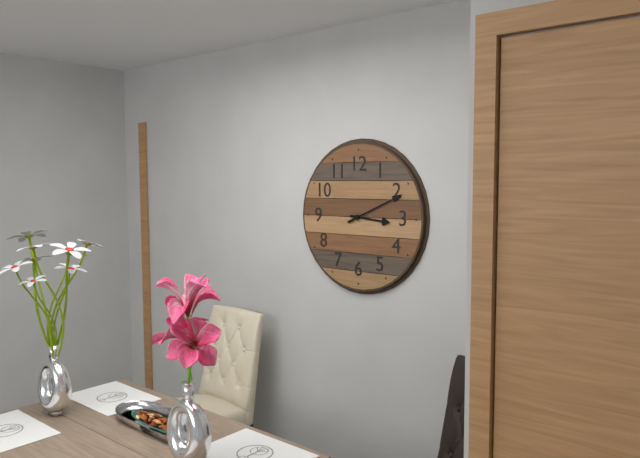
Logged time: 3:11
